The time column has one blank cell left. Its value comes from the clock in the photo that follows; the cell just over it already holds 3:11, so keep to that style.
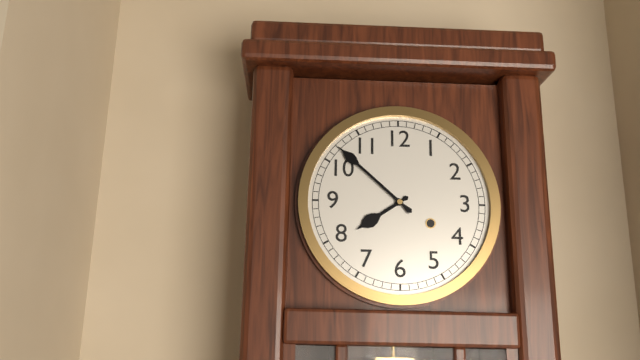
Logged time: 7:52
